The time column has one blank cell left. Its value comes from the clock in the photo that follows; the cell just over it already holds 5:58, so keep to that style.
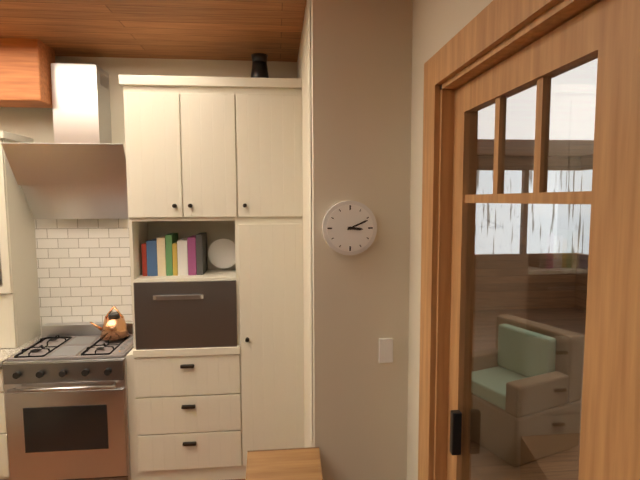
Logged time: 3:11
